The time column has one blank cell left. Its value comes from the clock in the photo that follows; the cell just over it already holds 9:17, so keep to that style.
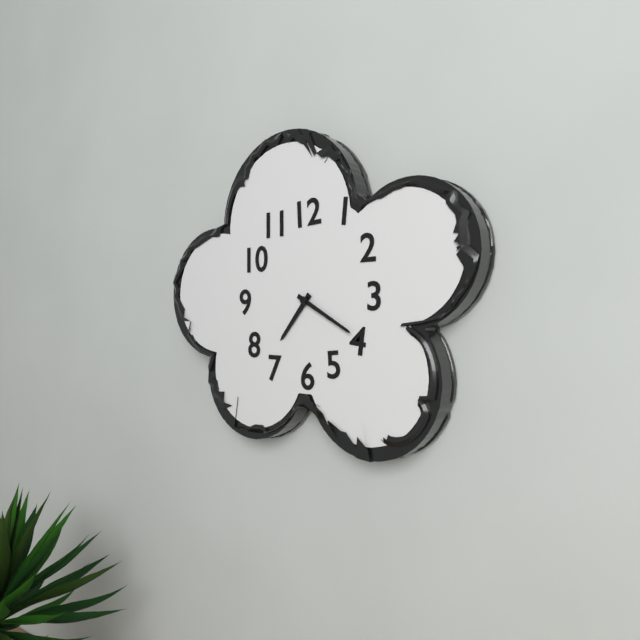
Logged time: 7:20
